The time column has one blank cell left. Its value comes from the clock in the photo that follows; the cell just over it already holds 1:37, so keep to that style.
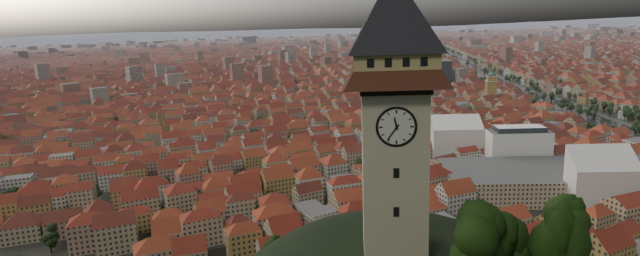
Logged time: 11:36
